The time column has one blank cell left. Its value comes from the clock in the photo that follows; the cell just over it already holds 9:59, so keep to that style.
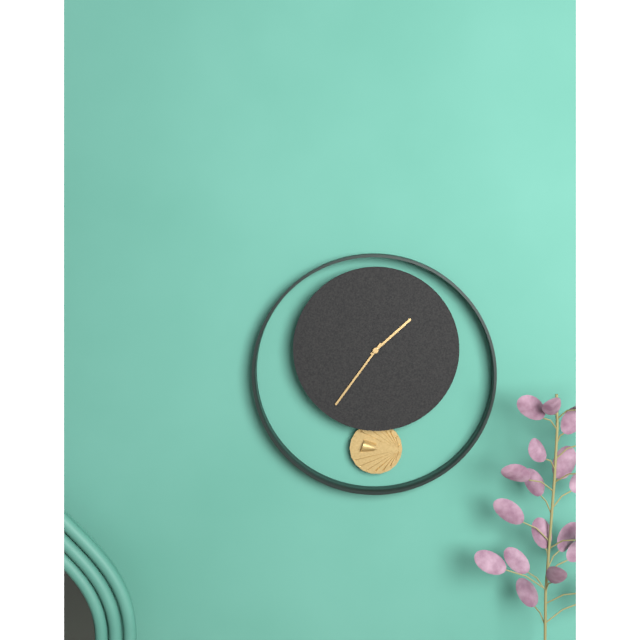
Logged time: 1:36
